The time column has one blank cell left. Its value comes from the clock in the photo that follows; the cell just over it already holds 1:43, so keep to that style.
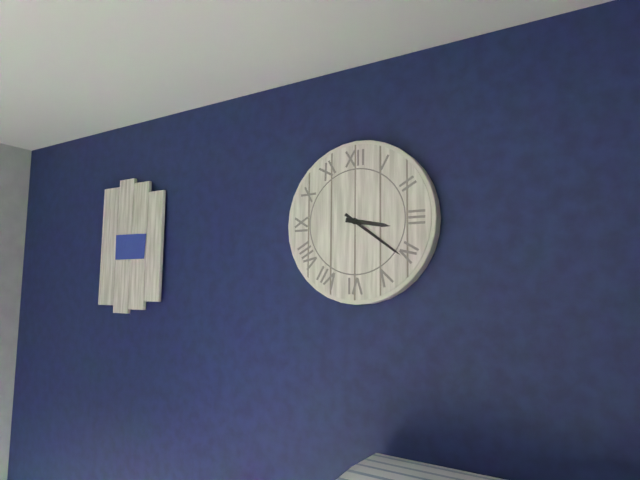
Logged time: 3:21
